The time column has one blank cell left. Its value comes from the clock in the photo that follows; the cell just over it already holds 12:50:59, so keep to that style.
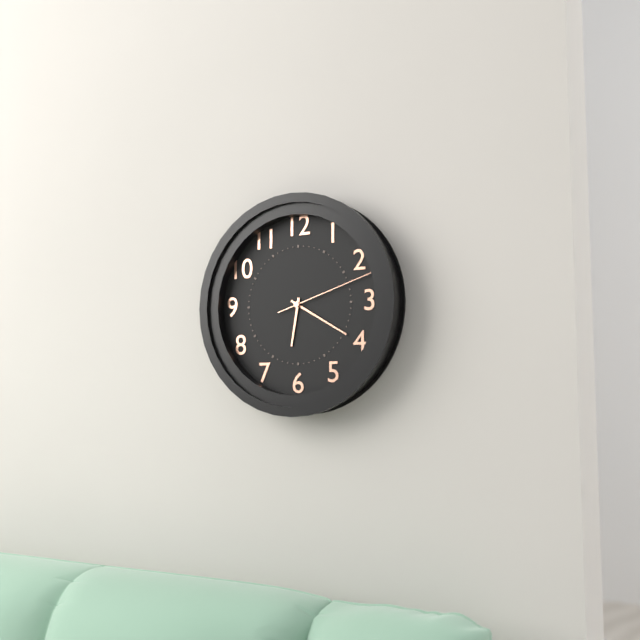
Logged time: 6:20:12
